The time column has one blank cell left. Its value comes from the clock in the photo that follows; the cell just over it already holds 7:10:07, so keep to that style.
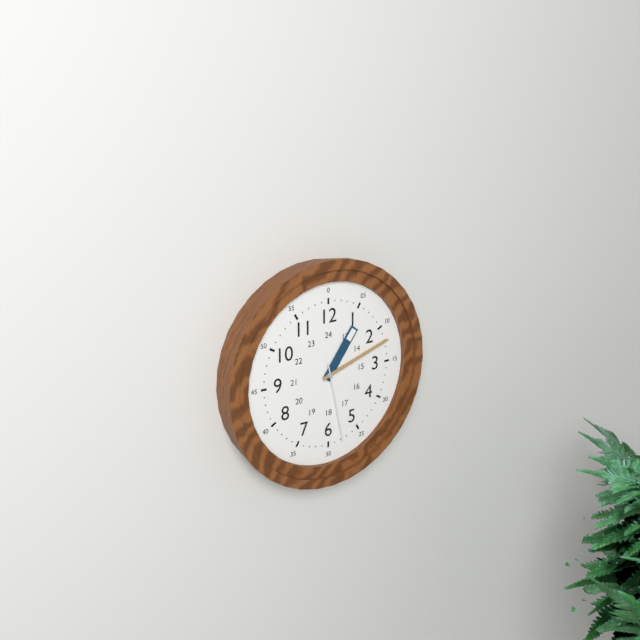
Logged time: 1:12:28
